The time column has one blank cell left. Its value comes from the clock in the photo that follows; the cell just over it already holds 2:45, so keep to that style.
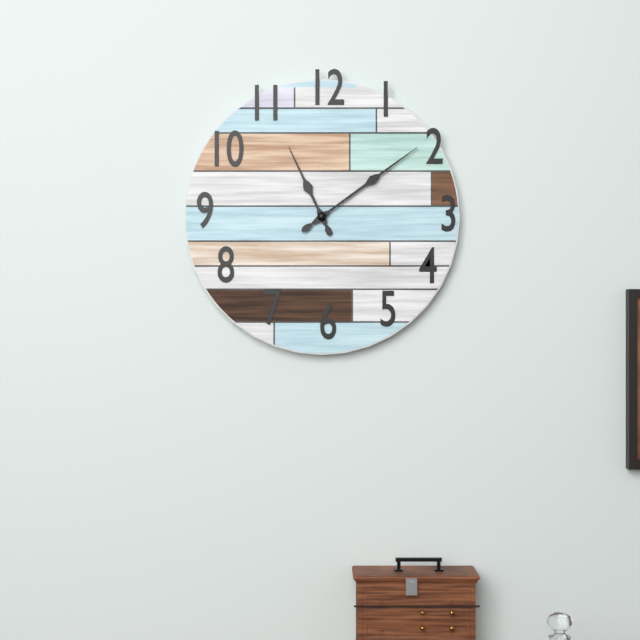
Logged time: 11:09
